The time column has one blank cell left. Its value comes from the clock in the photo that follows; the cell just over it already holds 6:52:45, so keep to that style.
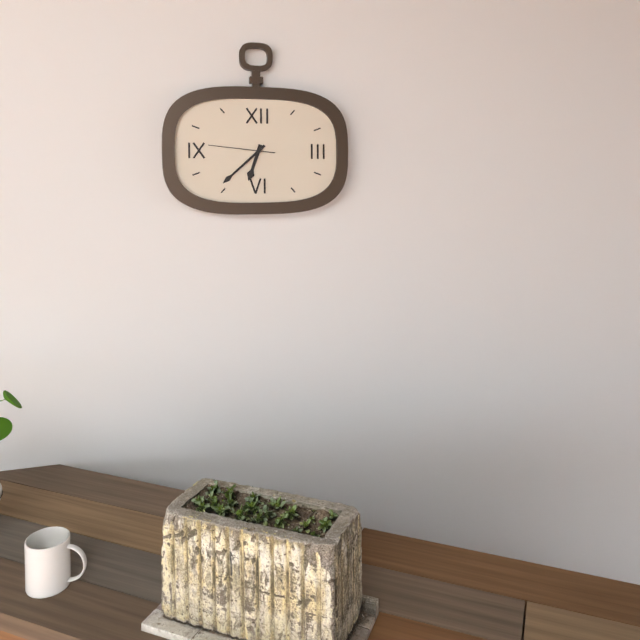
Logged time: 6:38:46
